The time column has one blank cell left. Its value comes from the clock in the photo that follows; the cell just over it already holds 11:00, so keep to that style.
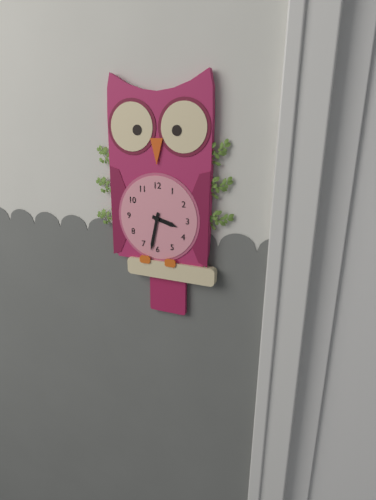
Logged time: 3:32
